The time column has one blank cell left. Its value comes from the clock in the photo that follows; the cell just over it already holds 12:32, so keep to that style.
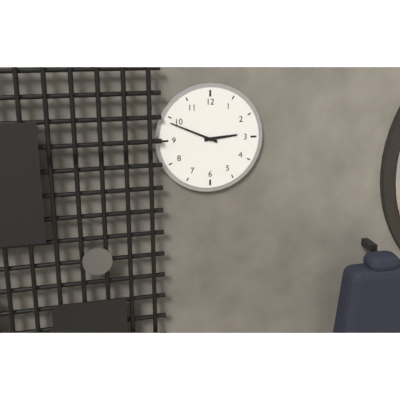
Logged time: 2:49
